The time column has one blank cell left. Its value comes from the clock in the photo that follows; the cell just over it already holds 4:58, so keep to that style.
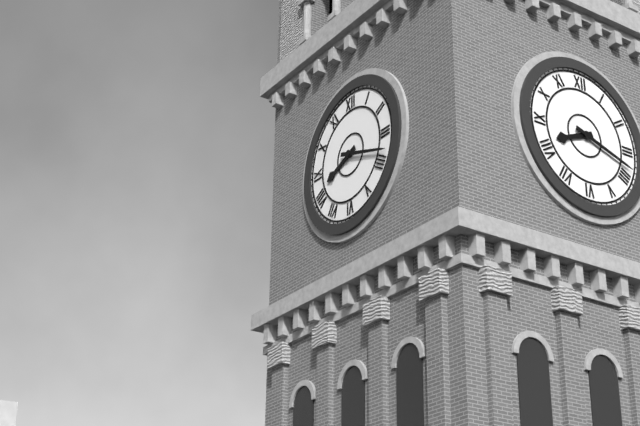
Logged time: 8:18
